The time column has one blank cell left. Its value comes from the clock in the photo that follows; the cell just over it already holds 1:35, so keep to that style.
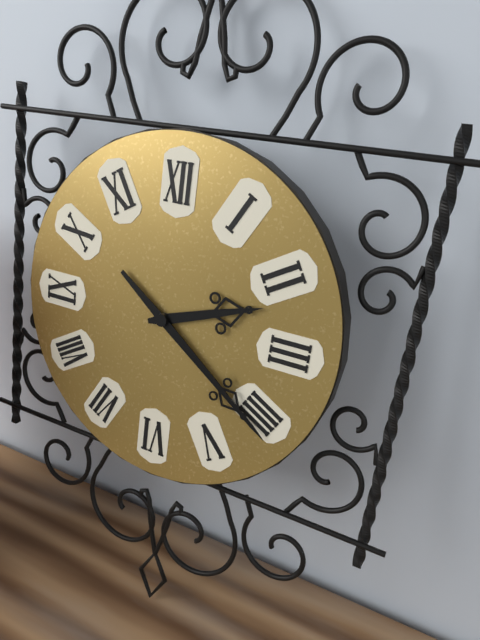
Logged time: 2:21
